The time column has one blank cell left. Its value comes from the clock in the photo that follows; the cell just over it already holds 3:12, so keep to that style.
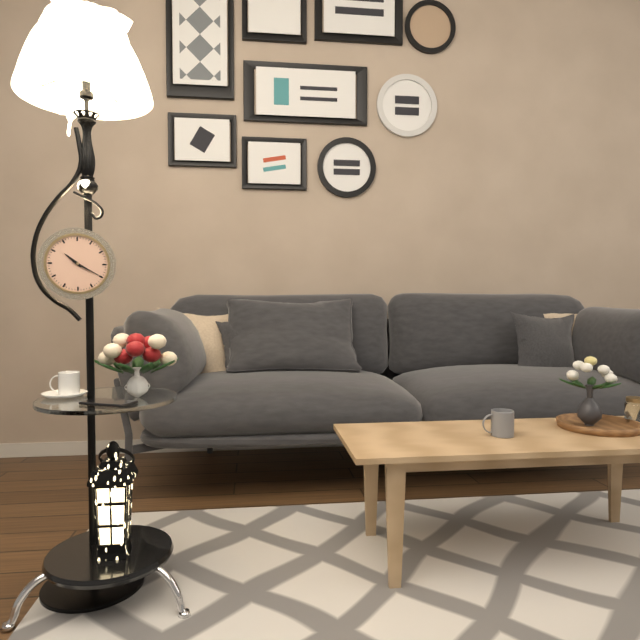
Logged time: 10:20
